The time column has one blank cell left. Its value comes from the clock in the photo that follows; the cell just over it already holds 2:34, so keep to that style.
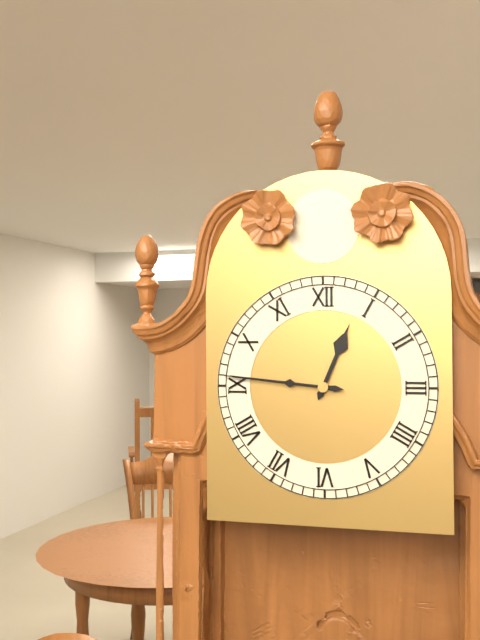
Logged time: 12:46
